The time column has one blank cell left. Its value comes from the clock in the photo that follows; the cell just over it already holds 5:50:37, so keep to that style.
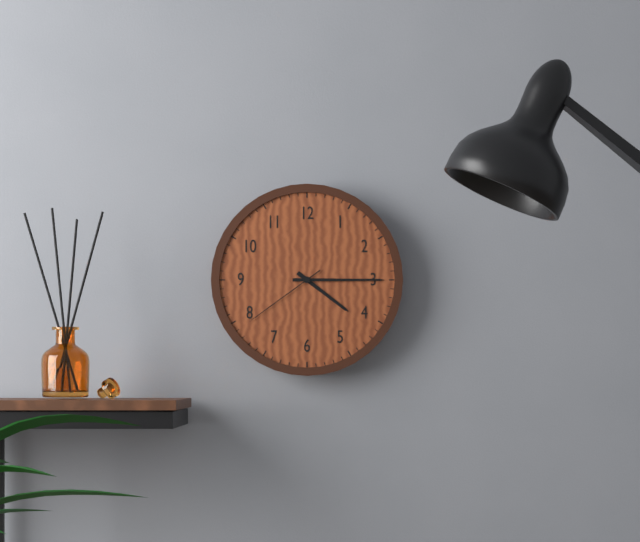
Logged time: 4:15:39
